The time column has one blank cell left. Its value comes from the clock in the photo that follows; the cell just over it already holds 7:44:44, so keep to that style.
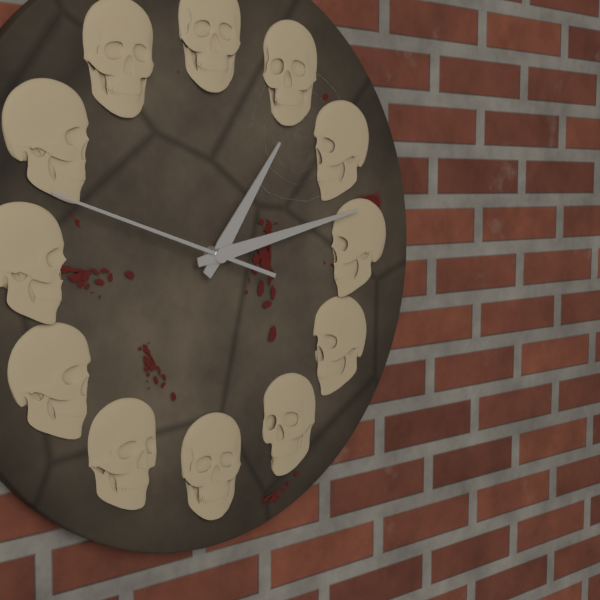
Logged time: 1:13:48
